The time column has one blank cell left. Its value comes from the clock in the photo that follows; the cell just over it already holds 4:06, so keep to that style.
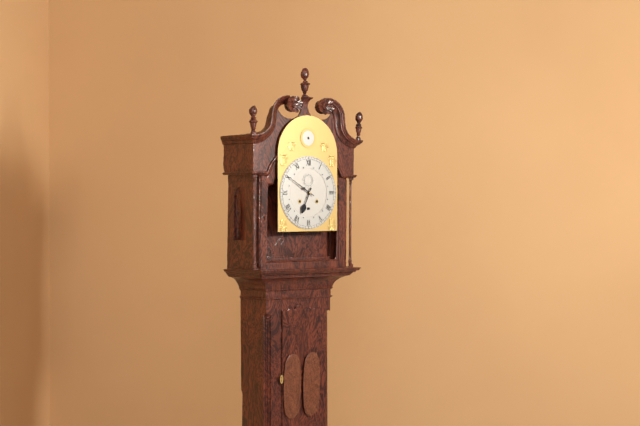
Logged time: 6:50
